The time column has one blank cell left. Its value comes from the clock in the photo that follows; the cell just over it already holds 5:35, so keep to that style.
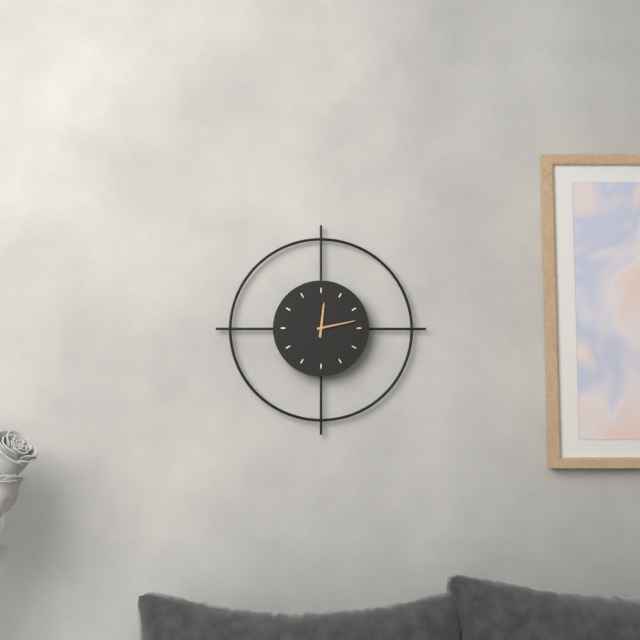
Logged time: 12:13
